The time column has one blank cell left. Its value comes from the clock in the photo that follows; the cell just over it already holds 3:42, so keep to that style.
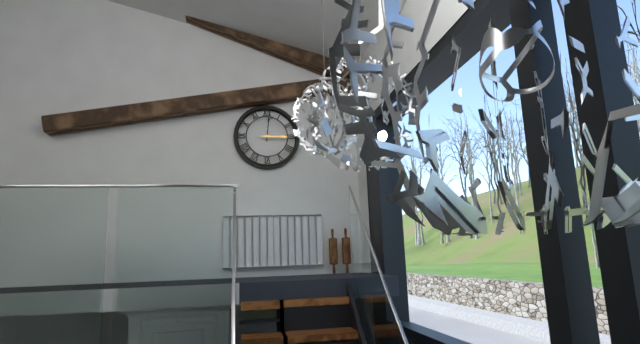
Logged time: 3:01
